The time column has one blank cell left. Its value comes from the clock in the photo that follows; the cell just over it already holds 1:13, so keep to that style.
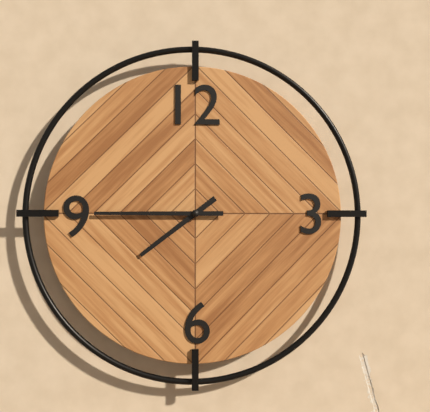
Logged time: 7:45
